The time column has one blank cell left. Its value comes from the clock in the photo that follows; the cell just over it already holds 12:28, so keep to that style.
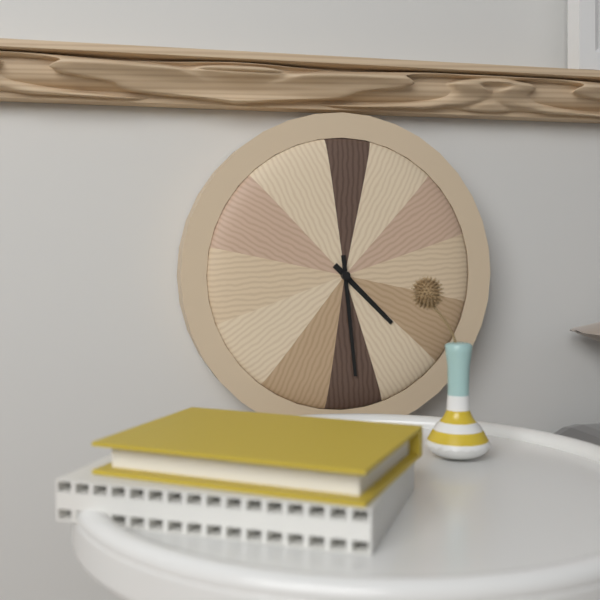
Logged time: 4:29
